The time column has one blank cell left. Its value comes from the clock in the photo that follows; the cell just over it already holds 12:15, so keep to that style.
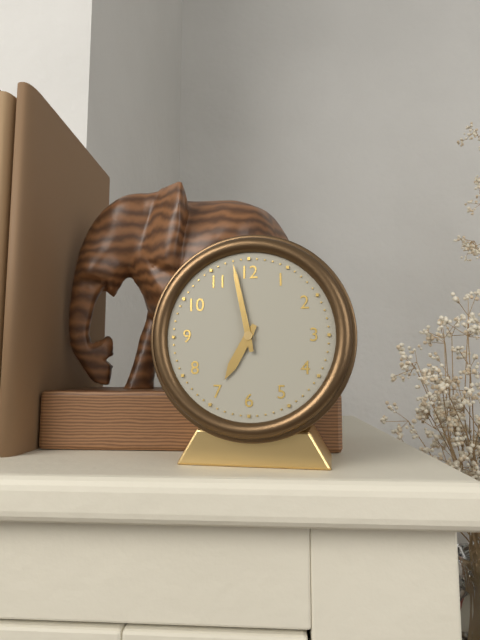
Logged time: 6:58
